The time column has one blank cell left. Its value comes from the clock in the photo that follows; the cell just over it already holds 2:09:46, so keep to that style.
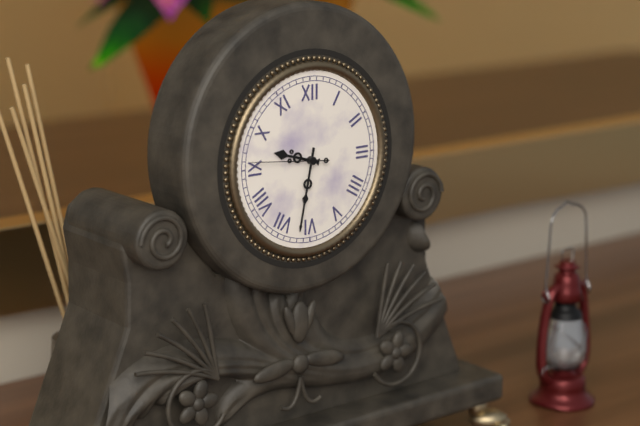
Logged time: 9:32:46
